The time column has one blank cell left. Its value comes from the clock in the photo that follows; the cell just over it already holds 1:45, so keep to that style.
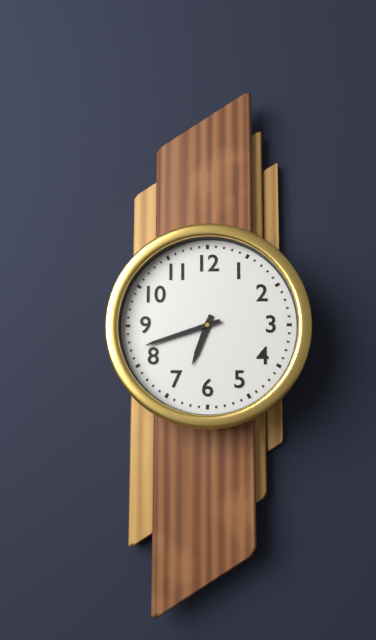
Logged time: 6:42
